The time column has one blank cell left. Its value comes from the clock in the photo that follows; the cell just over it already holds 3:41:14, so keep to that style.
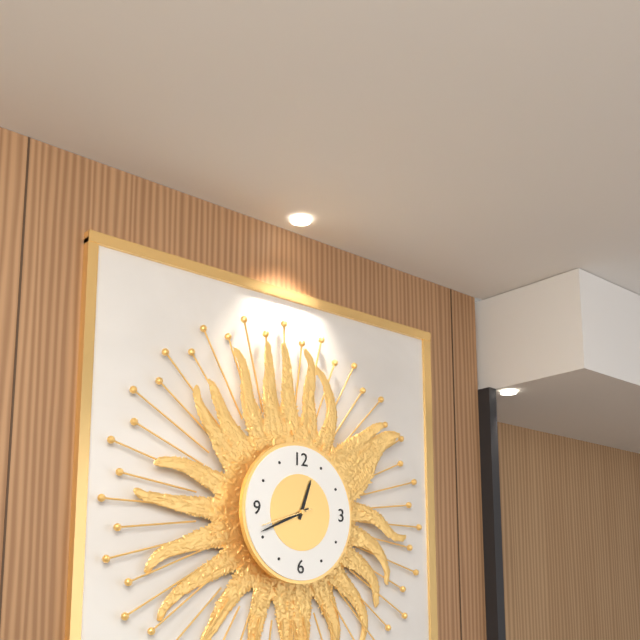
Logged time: 12:41:42
